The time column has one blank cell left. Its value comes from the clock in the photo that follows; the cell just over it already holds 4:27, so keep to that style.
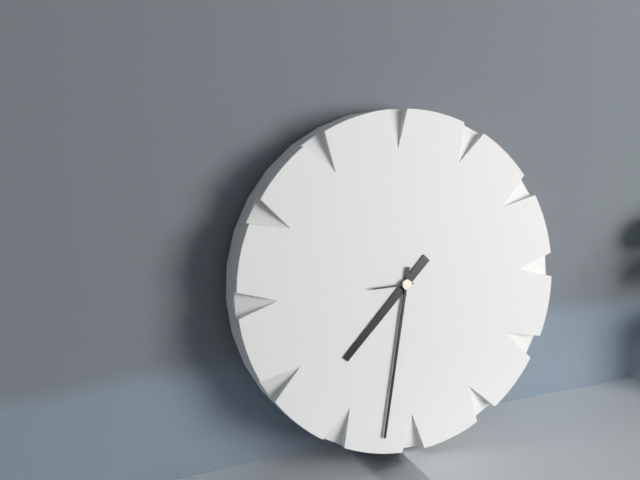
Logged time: 7:32
